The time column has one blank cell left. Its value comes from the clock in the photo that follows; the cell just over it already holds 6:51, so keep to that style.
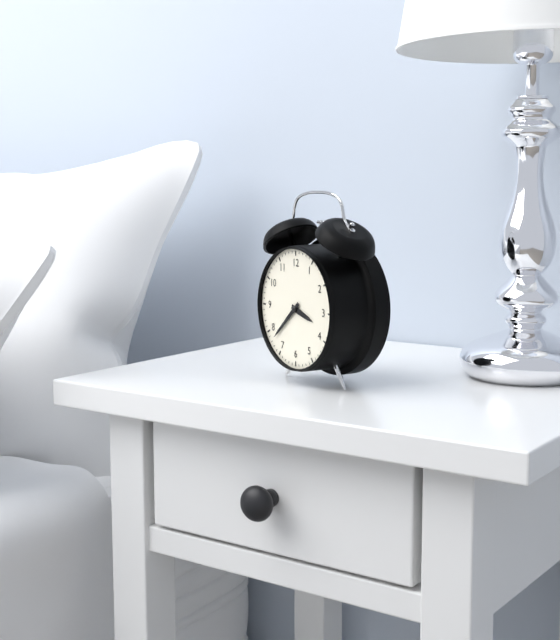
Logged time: 3:38
